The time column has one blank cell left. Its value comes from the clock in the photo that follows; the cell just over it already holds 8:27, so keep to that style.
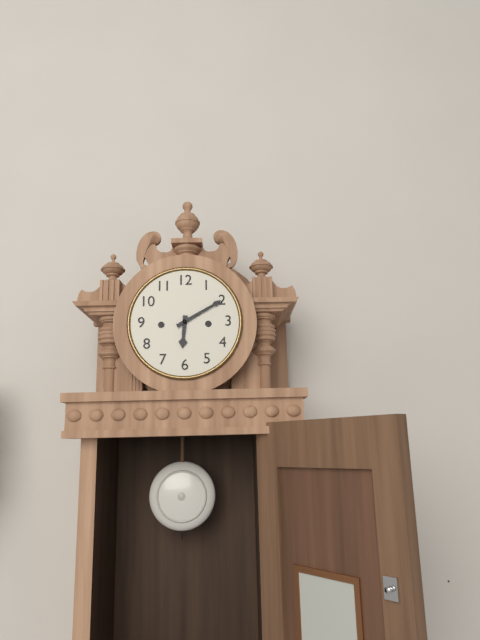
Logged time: 6:10
